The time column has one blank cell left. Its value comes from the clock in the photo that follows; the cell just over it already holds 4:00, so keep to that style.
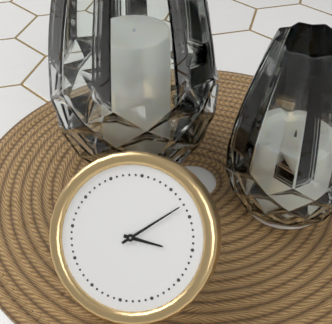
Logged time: 3:08
